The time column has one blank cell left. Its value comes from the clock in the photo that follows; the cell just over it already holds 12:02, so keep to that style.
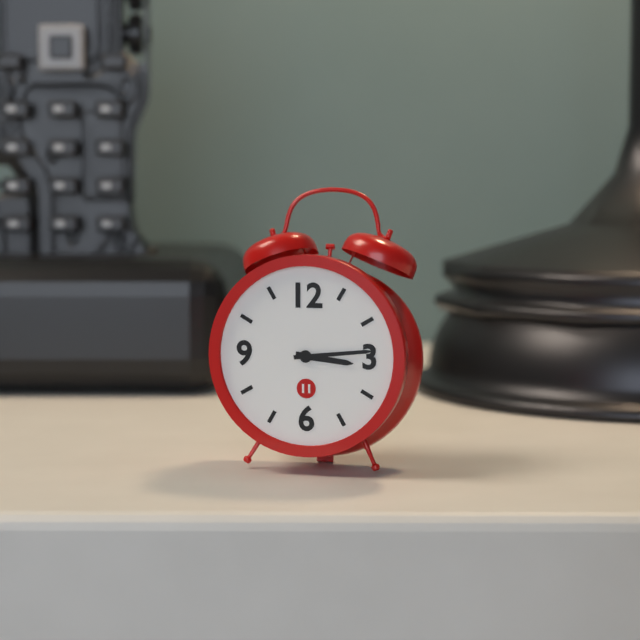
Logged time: 3:14
